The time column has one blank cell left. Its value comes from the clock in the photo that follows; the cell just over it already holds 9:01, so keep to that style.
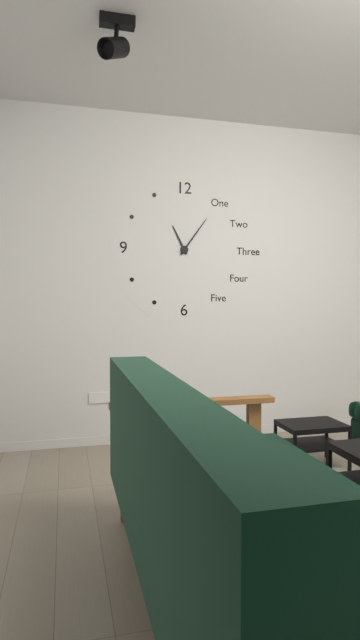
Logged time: 11:06
